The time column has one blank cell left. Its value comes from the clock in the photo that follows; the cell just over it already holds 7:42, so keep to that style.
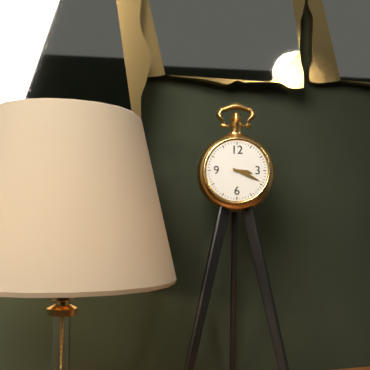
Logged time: 3:19
